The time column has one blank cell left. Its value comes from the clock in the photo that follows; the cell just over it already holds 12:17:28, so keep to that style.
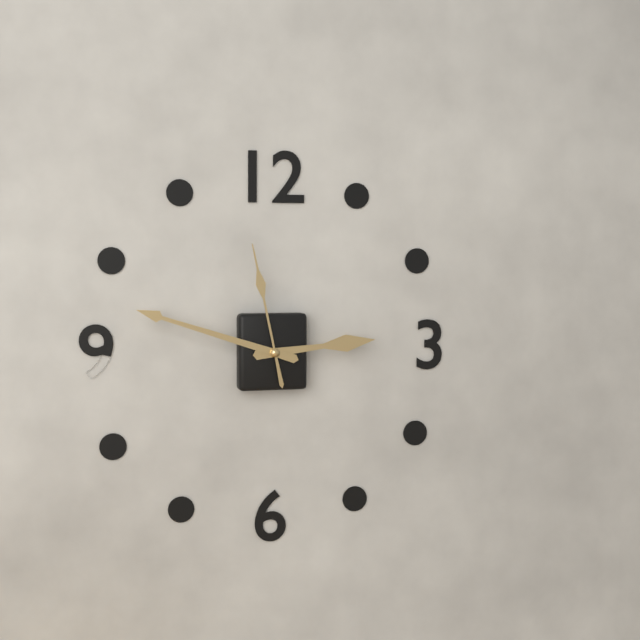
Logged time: 2:48:58
